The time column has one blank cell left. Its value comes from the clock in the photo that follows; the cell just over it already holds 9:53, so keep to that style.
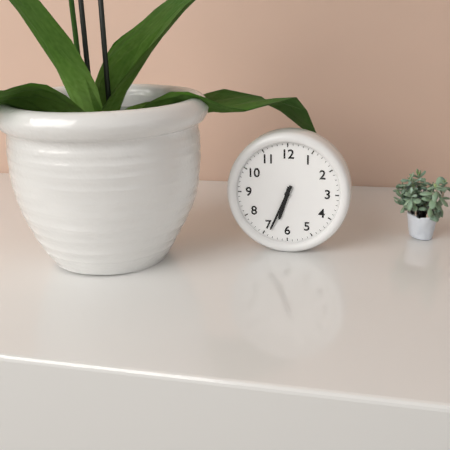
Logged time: 6:34
